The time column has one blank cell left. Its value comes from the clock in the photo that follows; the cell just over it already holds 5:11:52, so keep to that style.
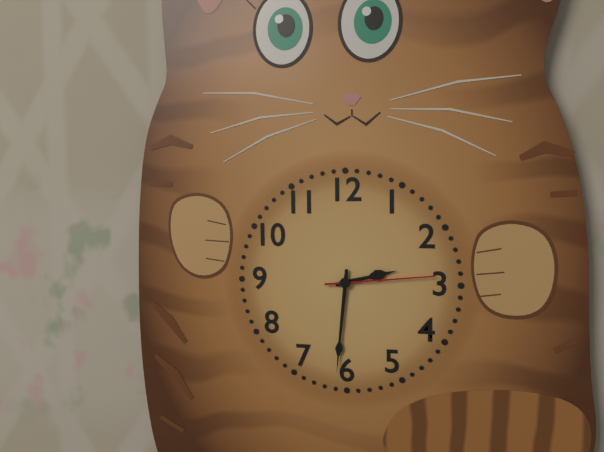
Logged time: 2:31:14
